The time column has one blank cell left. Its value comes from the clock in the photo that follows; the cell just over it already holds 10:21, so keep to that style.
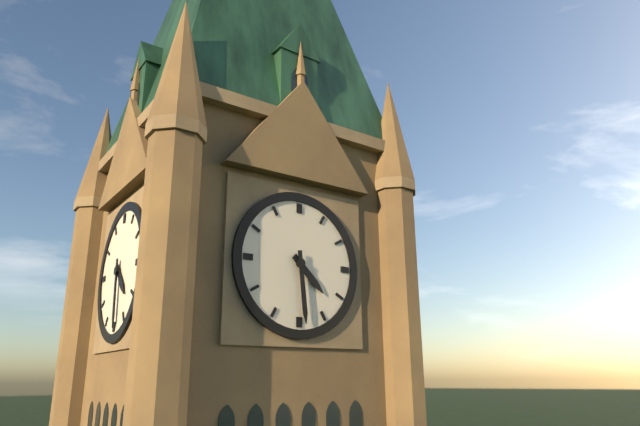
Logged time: 4:29
